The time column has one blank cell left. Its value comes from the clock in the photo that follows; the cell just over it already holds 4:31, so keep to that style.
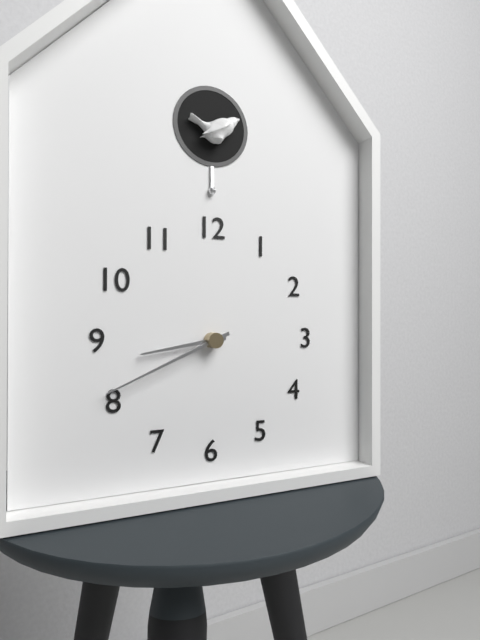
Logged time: 8:41
